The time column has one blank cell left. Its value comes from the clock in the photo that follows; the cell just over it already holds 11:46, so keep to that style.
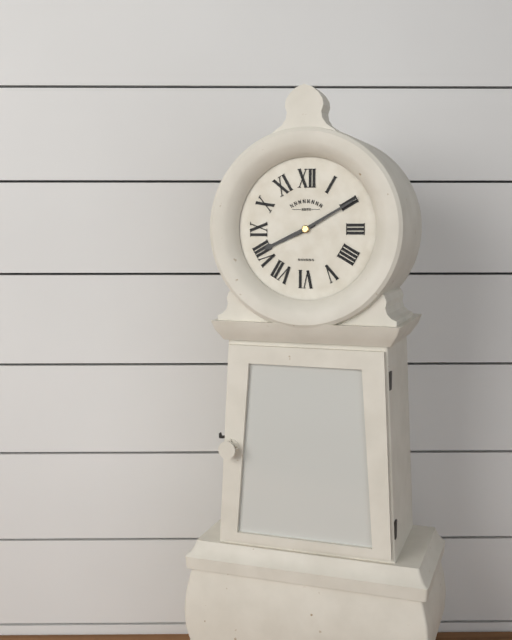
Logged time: 8:10
